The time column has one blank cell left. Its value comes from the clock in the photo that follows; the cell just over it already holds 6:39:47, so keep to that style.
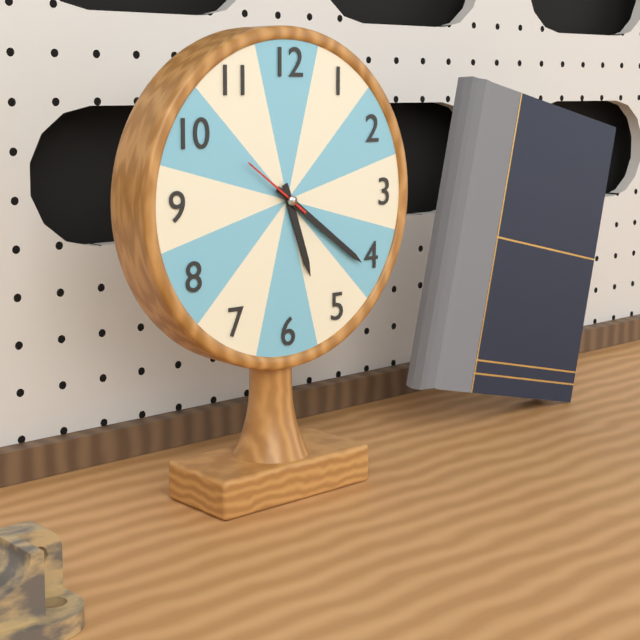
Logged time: 5:21:51
